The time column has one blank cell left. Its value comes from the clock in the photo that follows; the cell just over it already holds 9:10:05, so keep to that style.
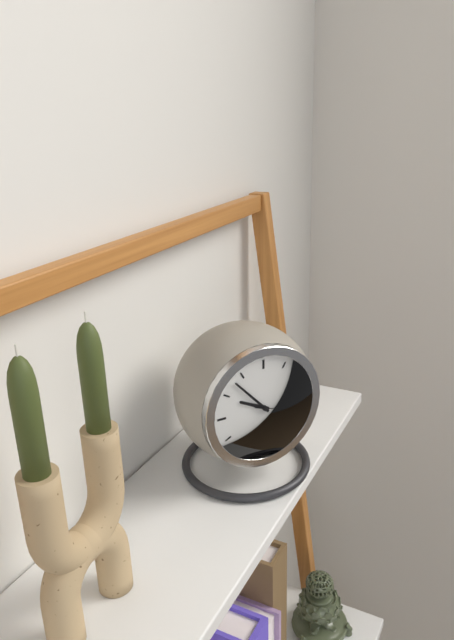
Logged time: 9:53:18
